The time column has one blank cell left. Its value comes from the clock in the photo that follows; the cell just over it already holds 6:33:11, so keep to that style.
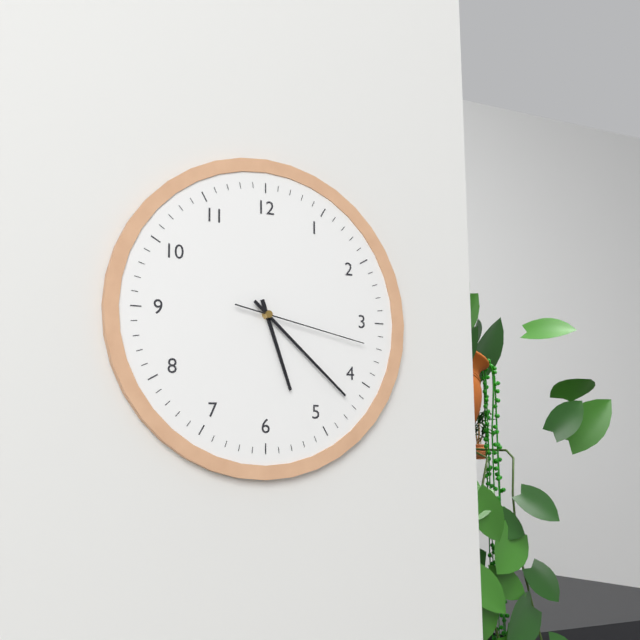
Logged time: 5:22:17
